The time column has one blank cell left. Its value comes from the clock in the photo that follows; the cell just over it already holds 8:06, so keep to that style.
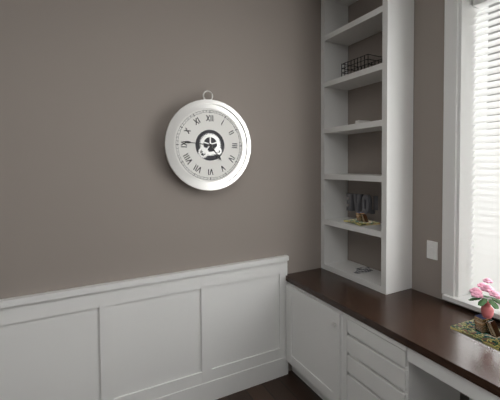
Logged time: 4:46
